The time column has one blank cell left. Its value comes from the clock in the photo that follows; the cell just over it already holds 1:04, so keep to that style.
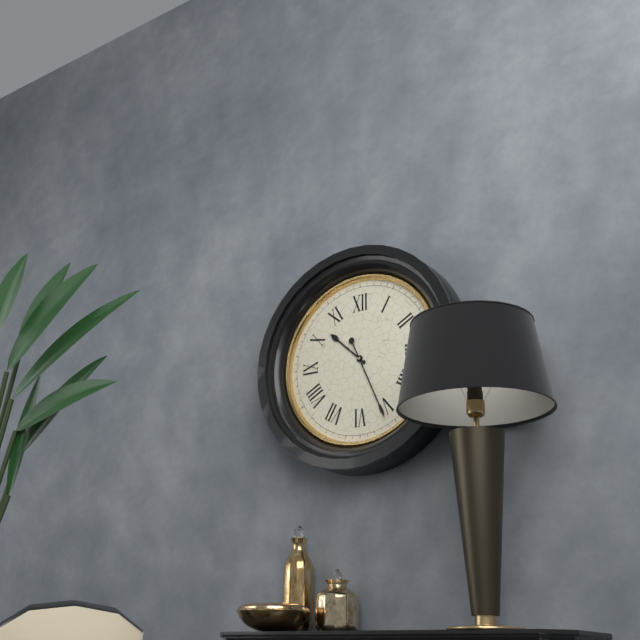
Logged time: 10:26
